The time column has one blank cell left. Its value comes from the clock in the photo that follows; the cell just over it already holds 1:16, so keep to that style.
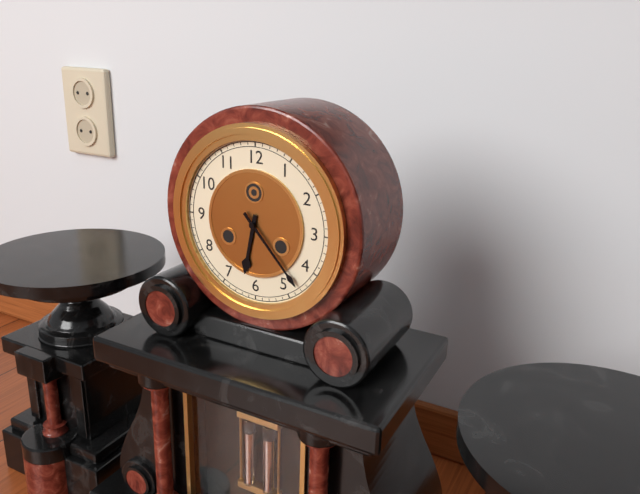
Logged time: 6:23
